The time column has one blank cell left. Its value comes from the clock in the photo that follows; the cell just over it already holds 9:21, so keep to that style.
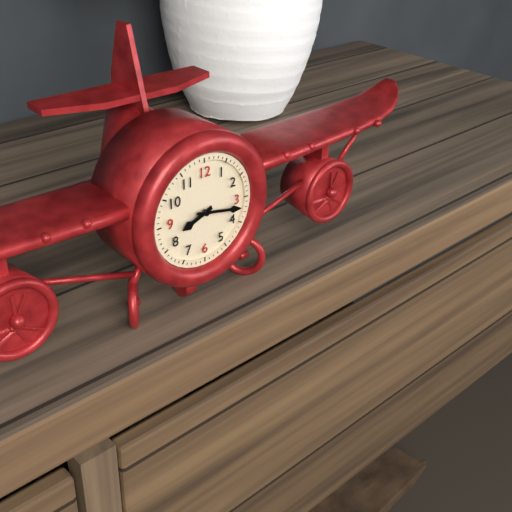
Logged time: 8:17
